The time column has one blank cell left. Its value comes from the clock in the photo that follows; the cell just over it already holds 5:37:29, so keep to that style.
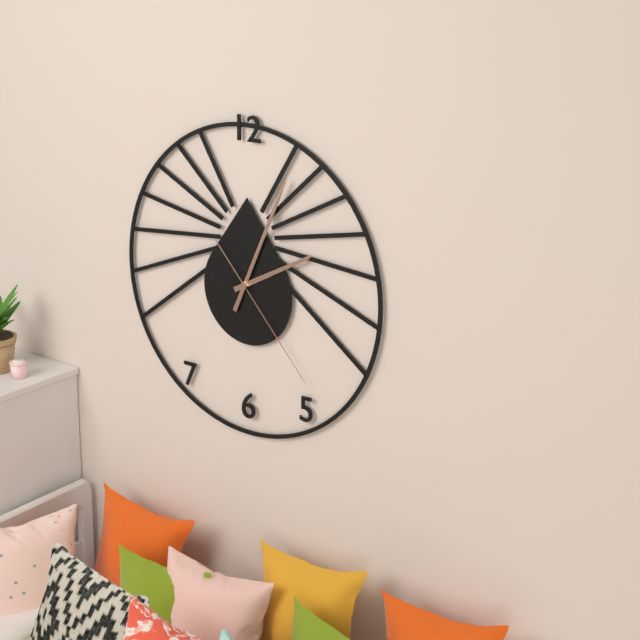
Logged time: 2:04:23
